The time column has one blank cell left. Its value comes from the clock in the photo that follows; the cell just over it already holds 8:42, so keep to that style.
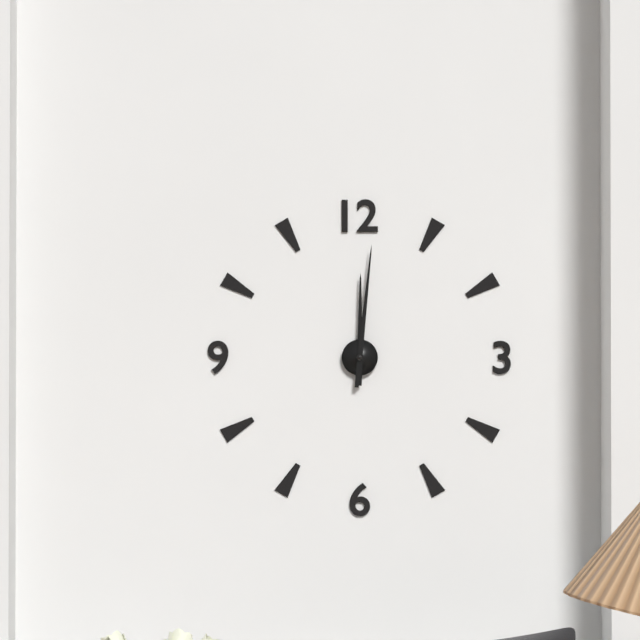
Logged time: 12:01
